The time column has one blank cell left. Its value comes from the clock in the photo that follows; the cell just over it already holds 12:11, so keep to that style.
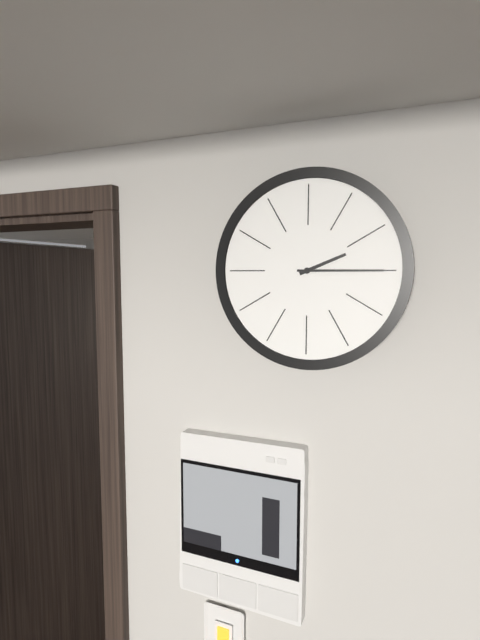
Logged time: 2:15
